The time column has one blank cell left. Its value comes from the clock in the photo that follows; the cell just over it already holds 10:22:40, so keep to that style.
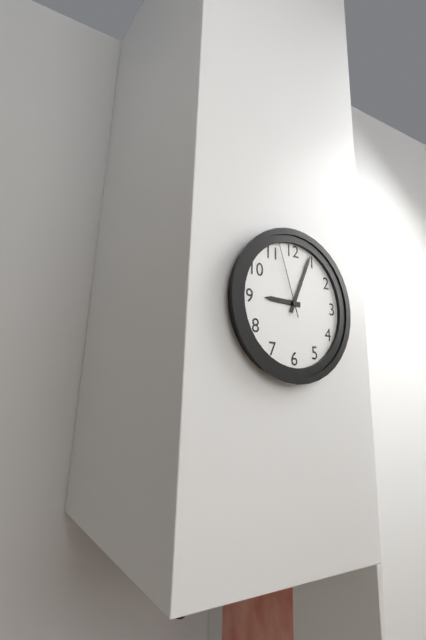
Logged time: 9:04:57
